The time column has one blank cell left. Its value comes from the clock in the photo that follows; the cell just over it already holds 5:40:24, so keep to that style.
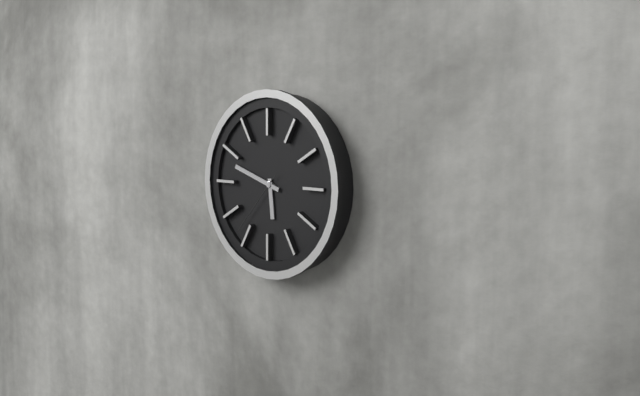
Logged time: 5:48:37
